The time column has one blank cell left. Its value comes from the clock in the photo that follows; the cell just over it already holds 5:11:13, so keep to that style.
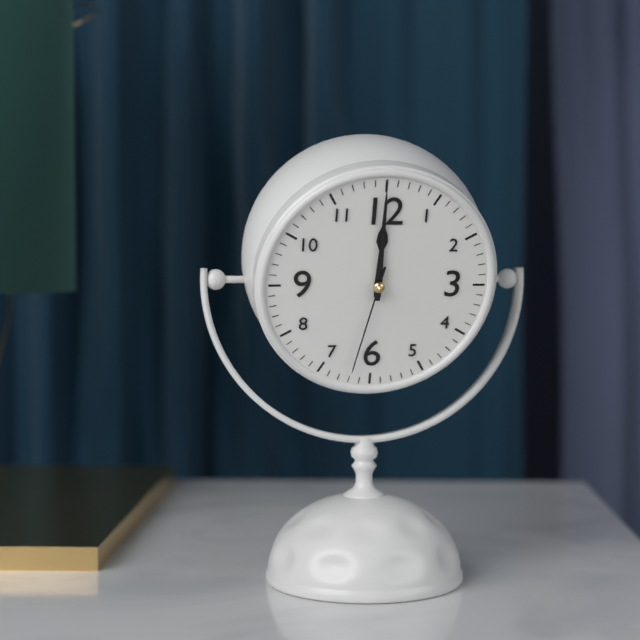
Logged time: 12:00:32
